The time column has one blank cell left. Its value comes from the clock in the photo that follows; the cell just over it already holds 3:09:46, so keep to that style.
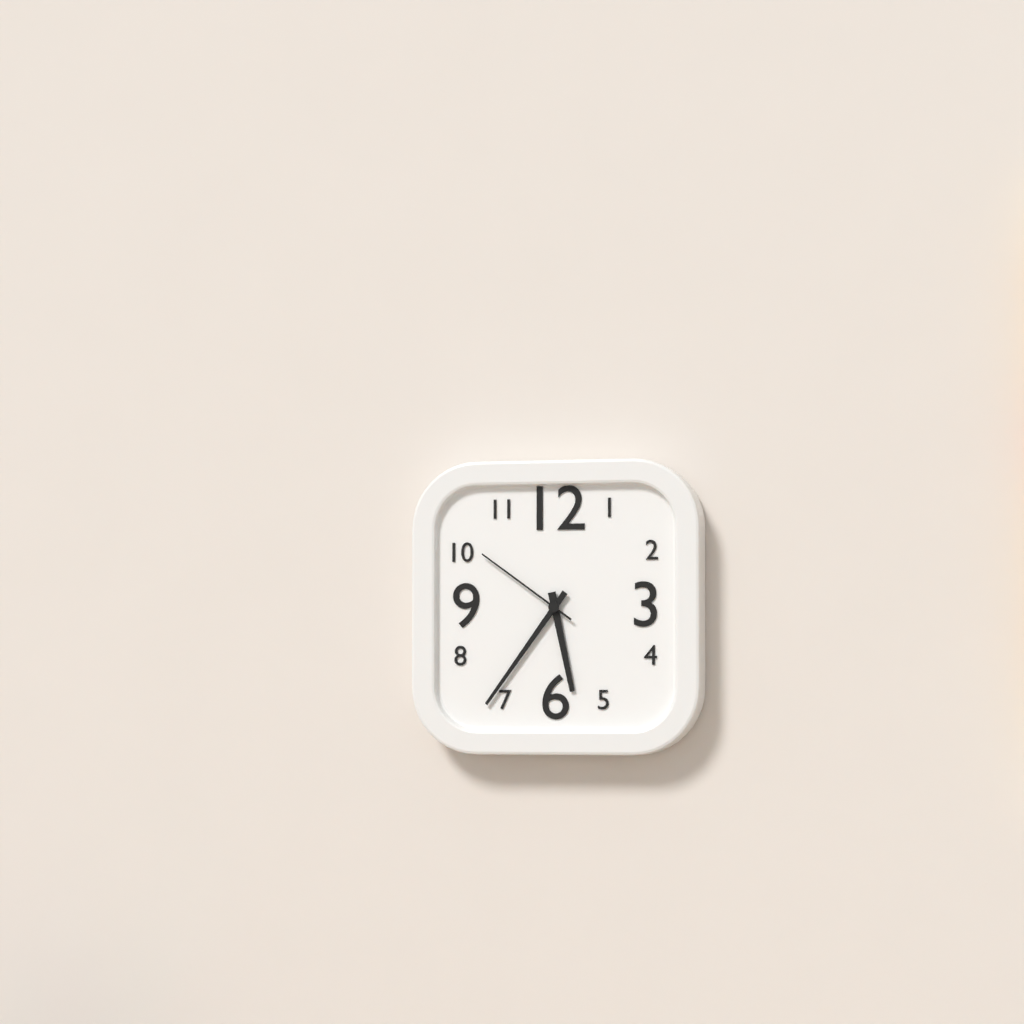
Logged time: 5:36:51
